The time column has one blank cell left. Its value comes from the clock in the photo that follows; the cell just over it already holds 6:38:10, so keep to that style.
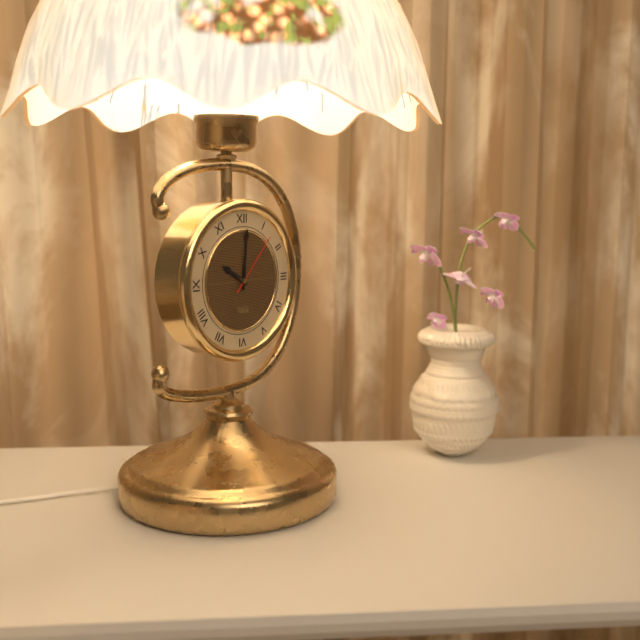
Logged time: 10:01:07
